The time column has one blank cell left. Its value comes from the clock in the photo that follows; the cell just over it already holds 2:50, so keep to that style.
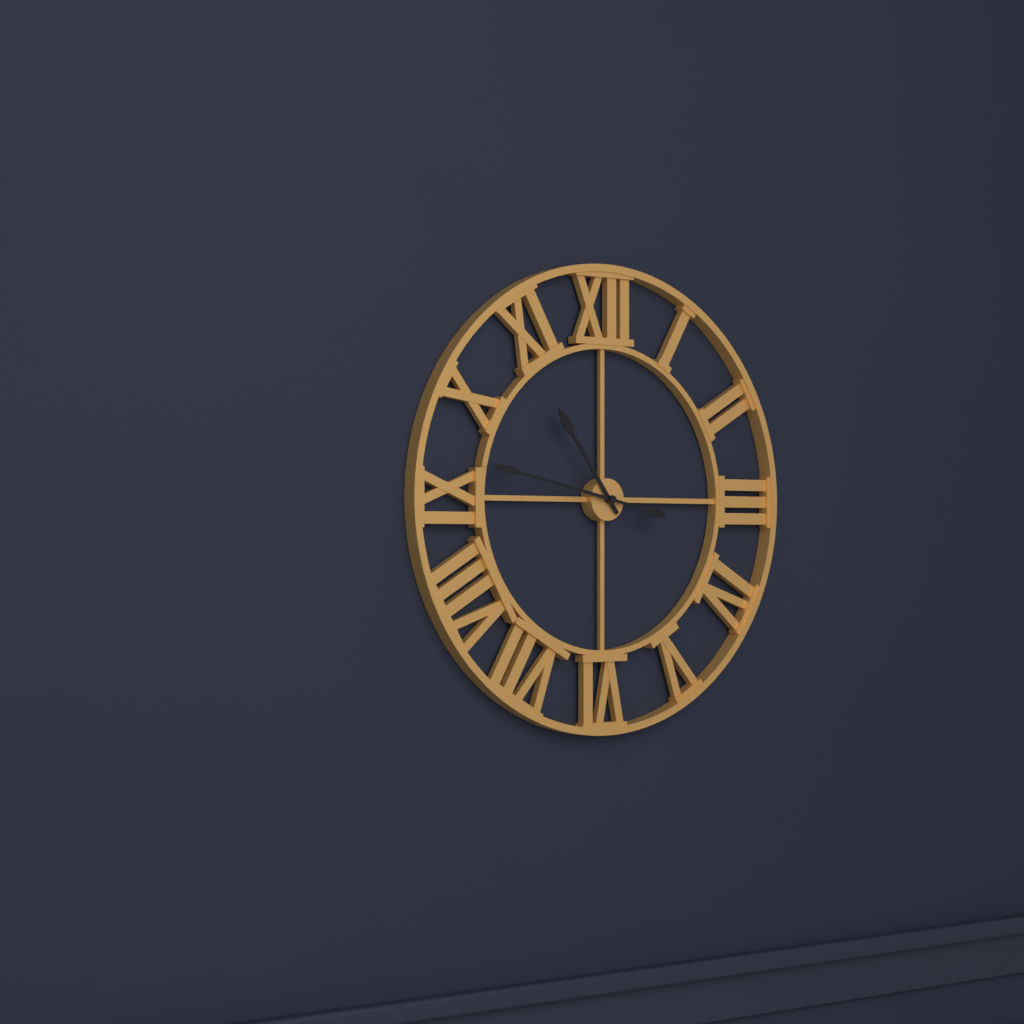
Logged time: 10:47
